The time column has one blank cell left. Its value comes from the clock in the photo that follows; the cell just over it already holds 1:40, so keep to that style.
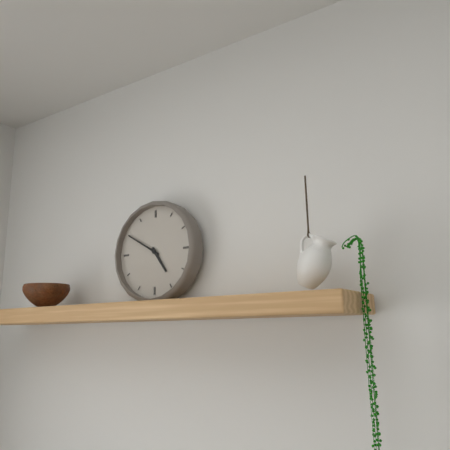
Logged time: 4:50
